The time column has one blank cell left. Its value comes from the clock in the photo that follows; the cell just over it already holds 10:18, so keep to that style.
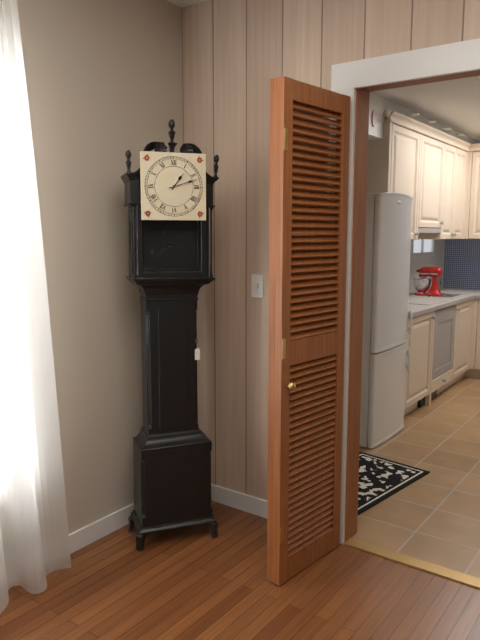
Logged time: 1:12
